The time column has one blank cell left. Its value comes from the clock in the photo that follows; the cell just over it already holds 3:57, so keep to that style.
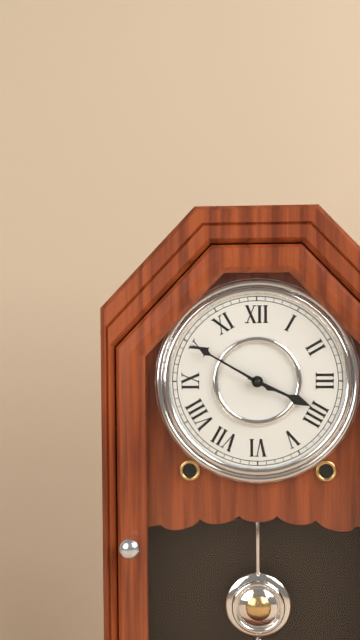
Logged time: 3:50
